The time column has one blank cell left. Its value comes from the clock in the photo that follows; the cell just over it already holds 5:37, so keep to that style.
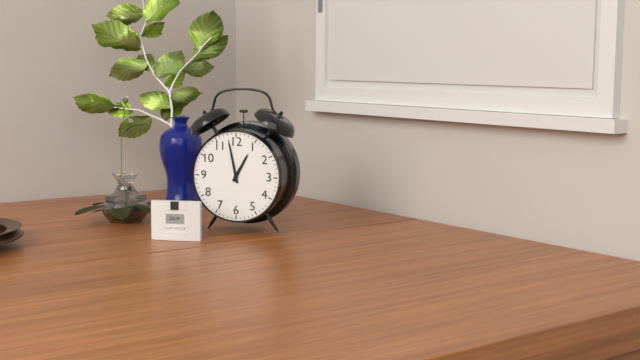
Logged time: 12:58
